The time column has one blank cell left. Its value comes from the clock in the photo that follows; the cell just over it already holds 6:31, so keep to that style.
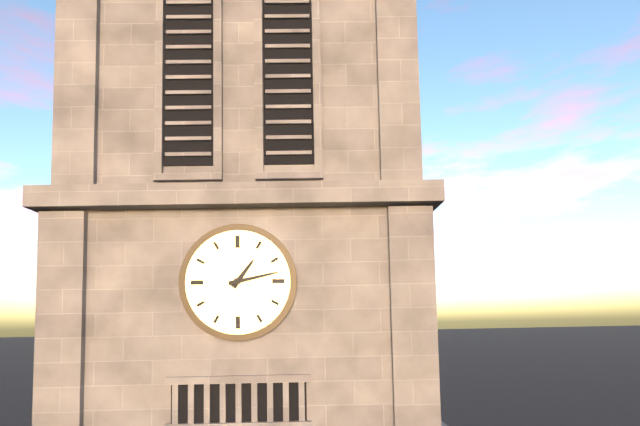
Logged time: 1:13
